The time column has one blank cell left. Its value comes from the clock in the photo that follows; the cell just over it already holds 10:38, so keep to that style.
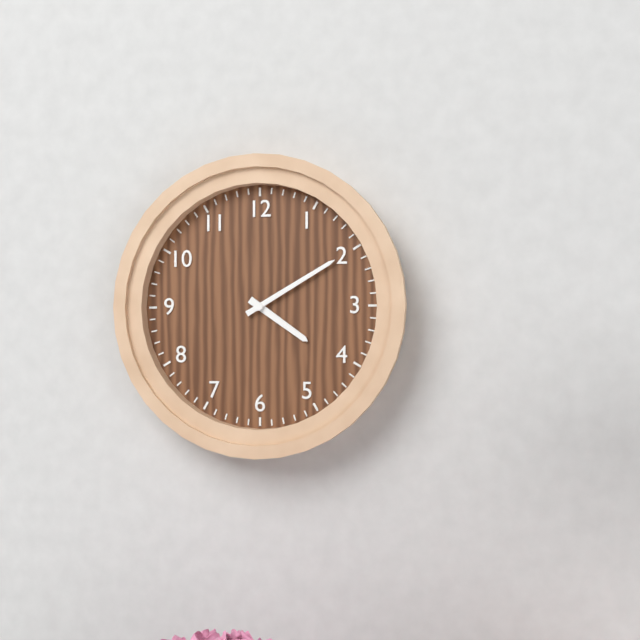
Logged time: 4:10
